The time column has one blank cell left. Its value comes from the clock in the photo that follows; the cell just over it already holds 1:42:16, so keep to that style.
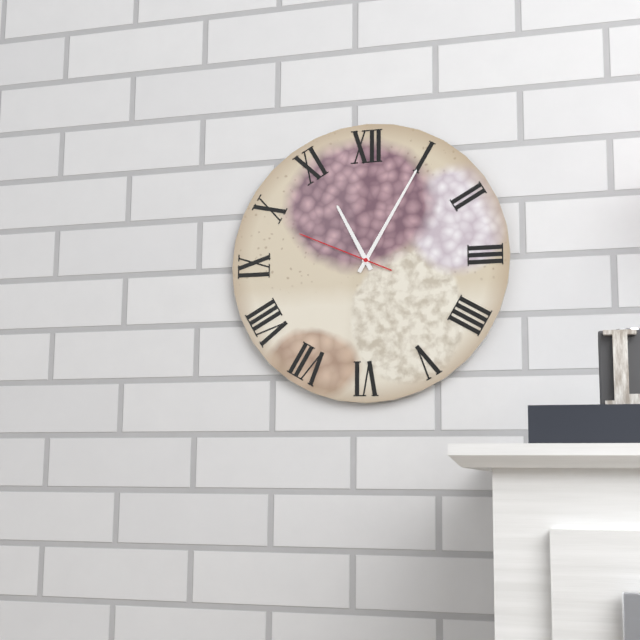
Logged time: 11:05:49
